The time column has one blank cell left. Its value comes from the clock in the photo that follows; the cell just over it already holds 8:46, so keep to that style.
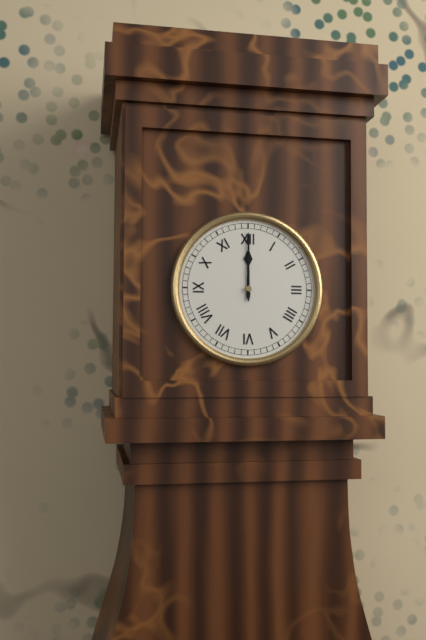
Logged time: 12:00
